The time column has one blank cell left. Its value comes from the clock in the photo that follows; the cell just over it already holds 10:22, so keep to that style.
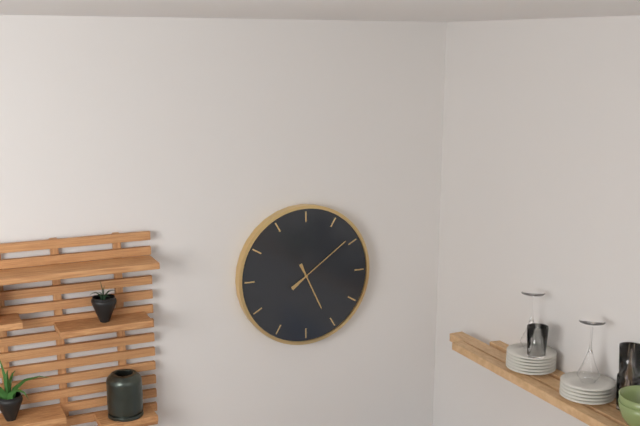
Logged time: 5:09
